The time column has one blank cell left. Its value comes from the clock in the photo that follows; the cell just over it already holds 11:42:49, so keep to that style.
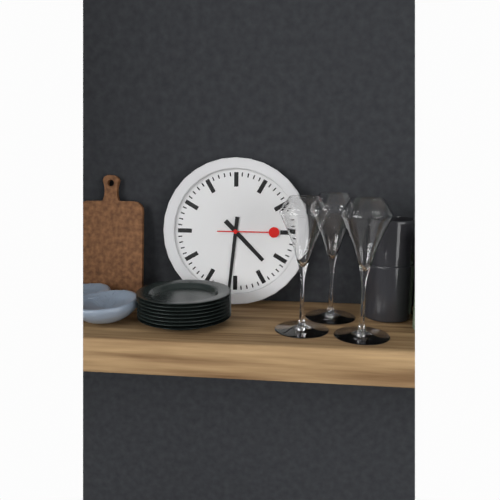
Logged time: 4:31:15
